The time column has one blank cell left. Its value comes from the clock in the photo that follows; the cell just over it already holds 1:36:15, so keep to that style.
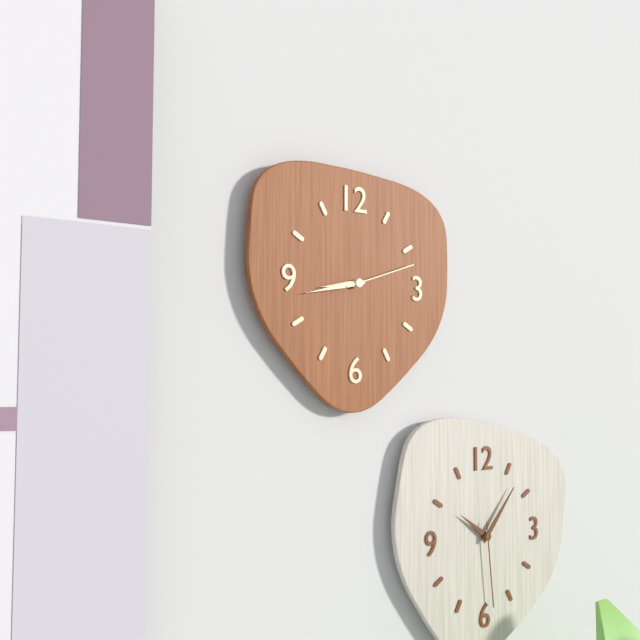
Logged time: 8:43:12
